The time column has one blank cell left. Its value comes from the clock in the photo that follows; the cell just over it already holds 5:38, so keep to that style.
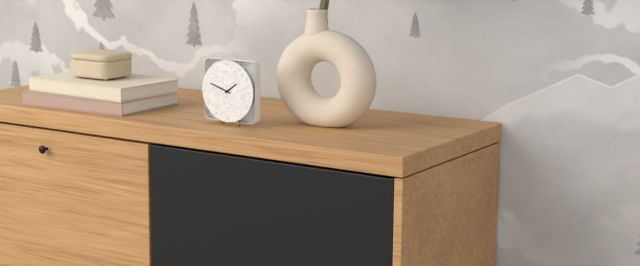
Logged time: 1:48
